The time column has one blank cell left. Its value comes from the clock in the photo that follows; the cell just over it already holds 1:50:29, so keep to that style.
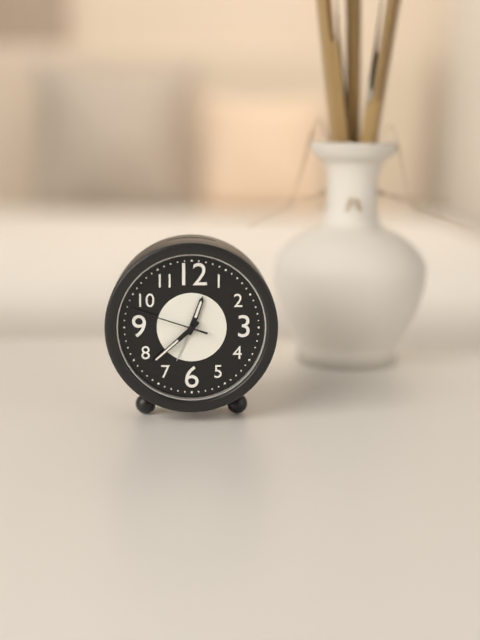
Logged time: 12:38:48
